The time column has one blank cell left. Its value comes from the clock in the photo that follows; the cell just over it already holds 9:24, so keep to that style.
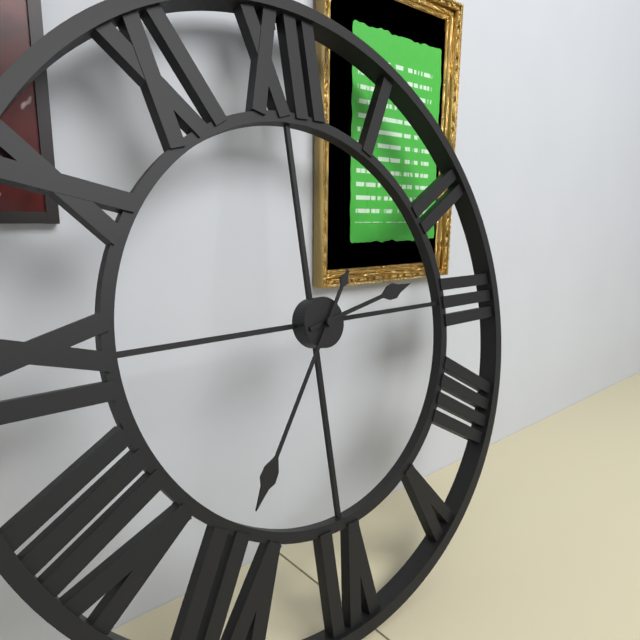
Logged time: 2:36
